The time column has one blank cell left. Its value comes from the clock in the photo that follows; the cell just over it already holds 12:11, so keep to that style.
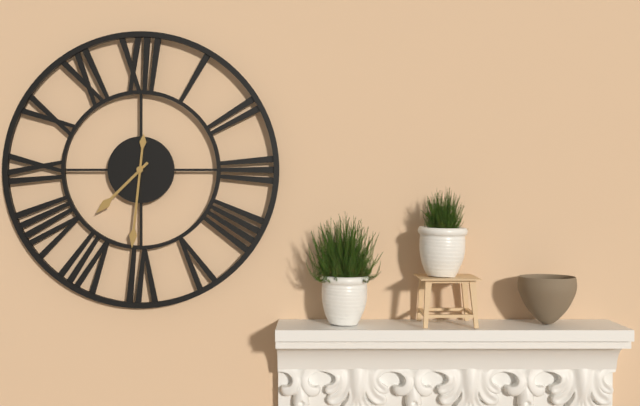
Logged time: 7:31
